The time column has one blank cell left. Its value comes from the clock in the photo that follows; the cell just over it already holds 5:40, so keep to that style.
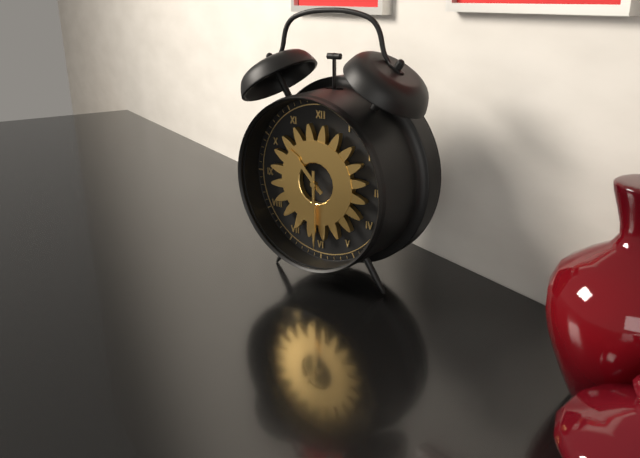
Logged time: 10:30
